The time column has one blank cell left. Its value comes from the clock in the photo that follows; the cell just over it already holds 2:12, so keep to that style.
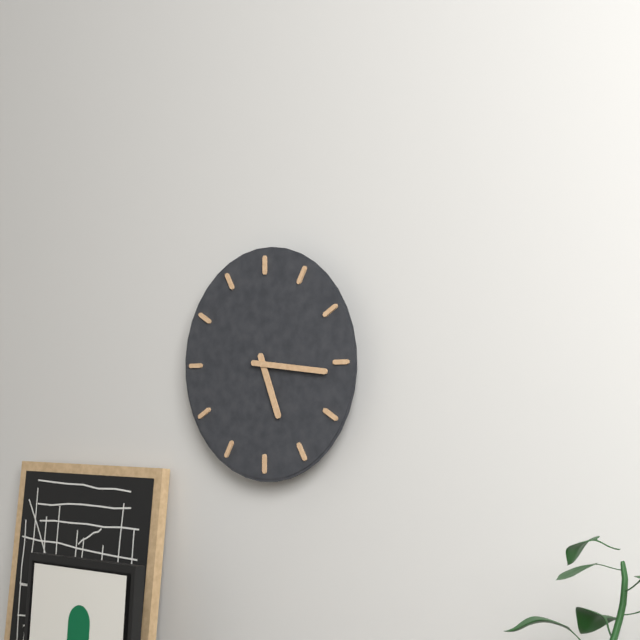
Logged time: 5:16
